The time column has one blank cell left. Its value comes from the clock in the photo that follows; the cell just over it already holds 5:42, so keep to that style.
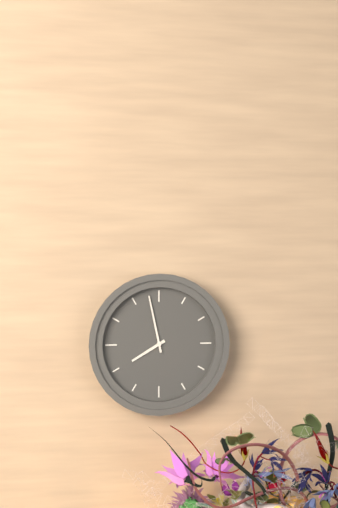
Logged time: 7:58
